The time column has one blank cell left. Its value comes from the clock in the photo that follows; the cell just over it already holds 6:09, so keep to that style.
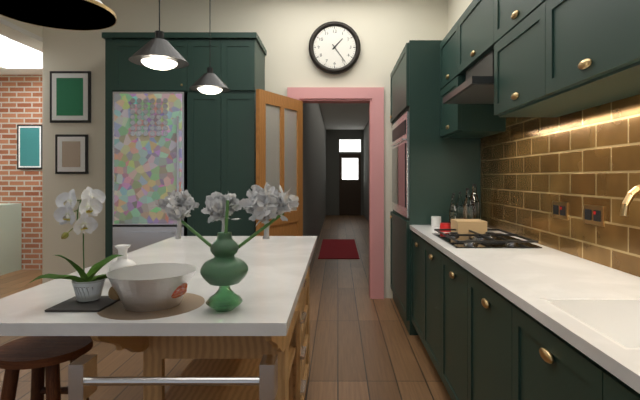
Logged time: 1:24
